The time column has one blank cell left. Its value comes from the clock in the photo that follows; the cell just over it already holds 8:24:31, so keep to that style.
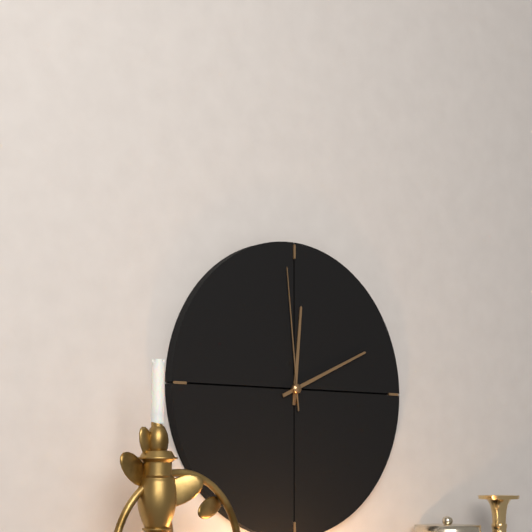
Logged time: 12:11:59
